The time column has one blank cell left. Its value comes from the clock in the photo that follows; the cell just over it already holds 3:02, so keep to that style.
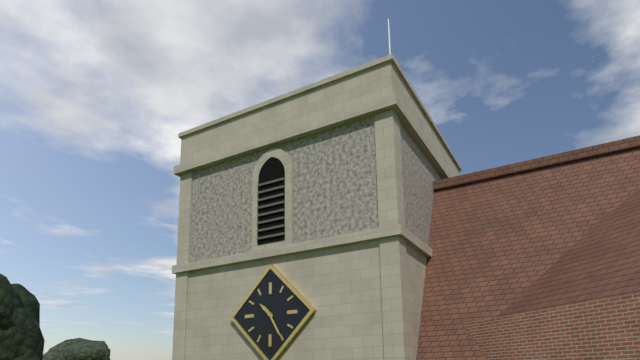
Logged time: 10:25
